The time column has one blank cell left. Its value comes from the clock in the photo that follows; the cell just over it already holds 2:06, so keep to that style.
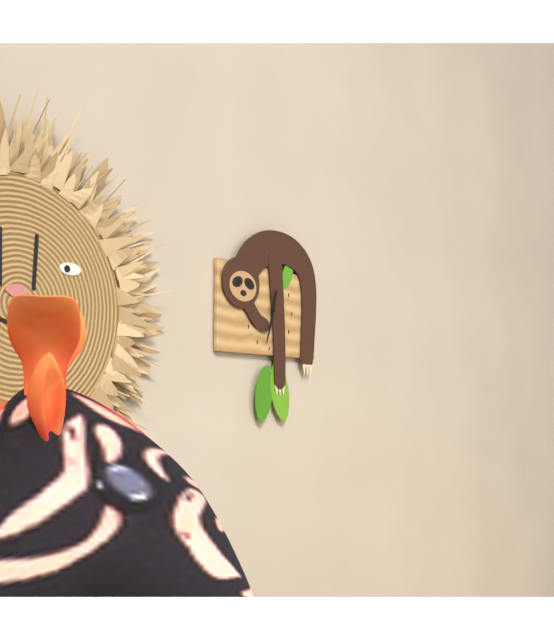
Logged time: 12:33
